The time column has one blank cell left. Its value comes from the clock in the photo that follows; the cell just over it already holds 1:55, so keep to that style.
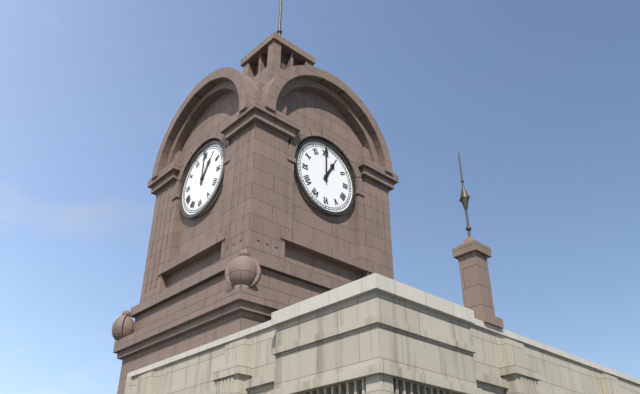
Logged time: 1:00
